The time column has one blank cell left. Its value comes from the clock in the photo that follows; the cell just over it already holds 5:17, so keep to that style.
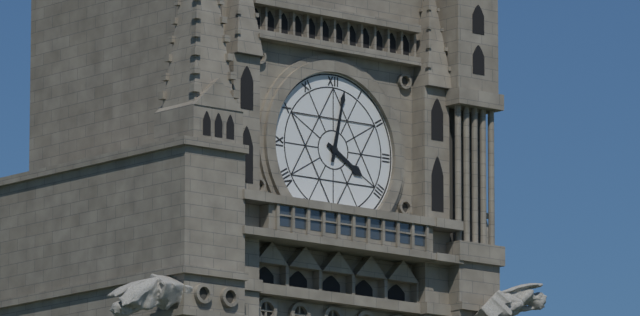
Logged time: 4:02
